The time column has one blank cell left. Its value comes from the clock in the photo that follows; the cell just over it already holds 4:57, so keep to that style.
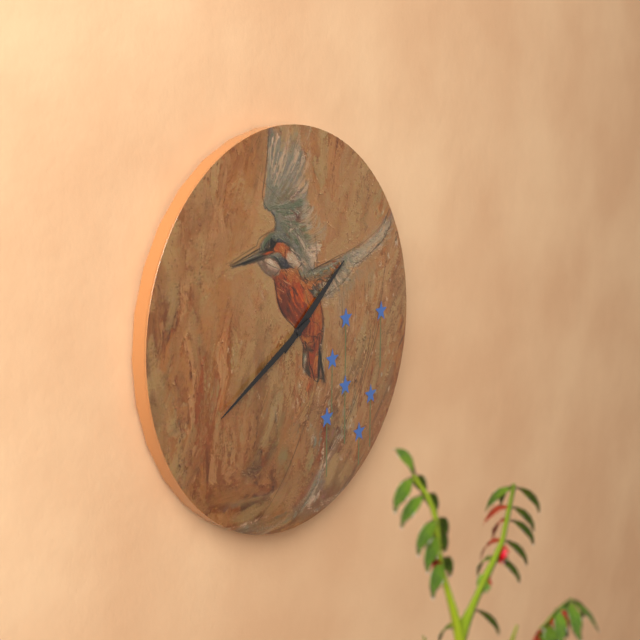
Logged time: 1:40
